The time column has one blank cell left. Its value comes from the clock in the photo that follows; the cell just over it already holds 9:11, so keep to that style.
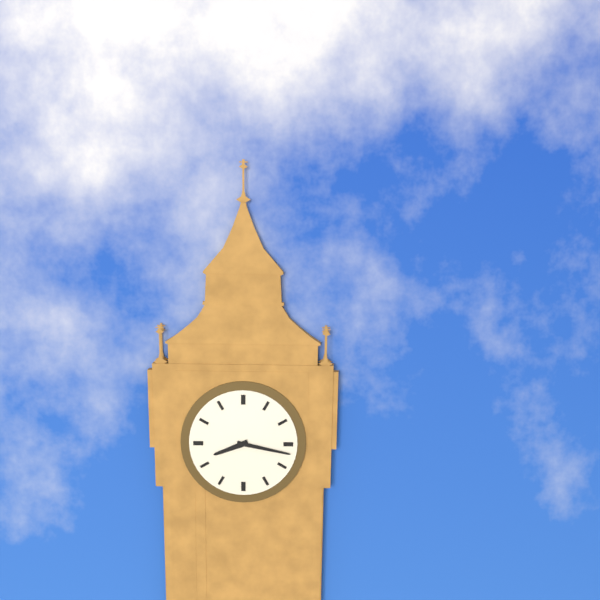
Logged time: 8:17
